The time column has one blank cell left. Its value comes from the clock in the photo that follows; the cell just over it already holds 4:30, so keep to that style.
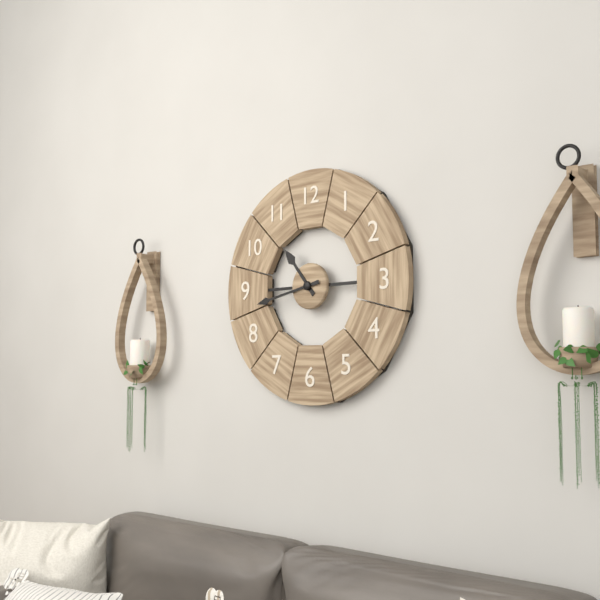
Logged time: 10:43
